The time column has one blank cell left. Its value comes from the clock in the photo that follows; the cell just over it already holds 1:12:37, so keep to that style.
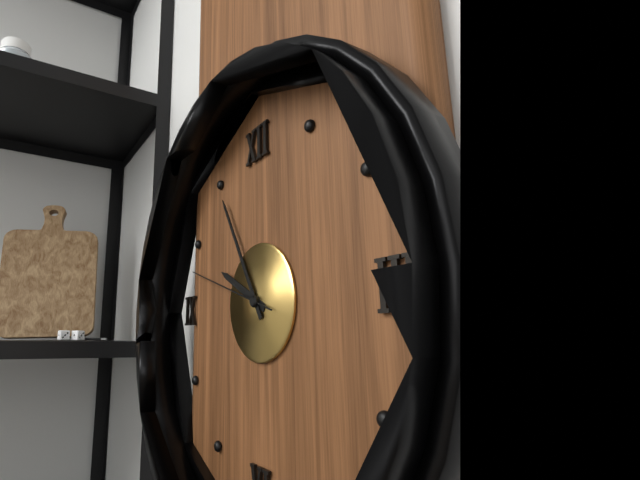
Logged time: 9:55:48
